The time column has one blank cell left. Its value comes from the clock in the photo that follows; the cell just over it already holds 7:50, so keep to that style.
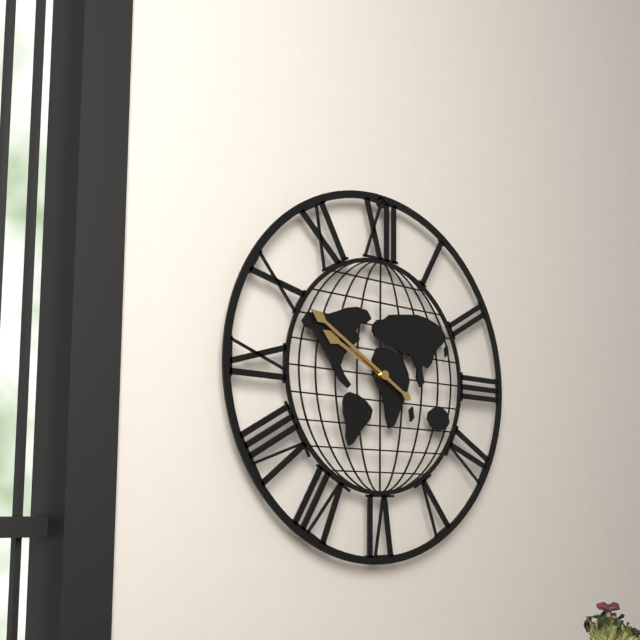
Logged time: 9:50
